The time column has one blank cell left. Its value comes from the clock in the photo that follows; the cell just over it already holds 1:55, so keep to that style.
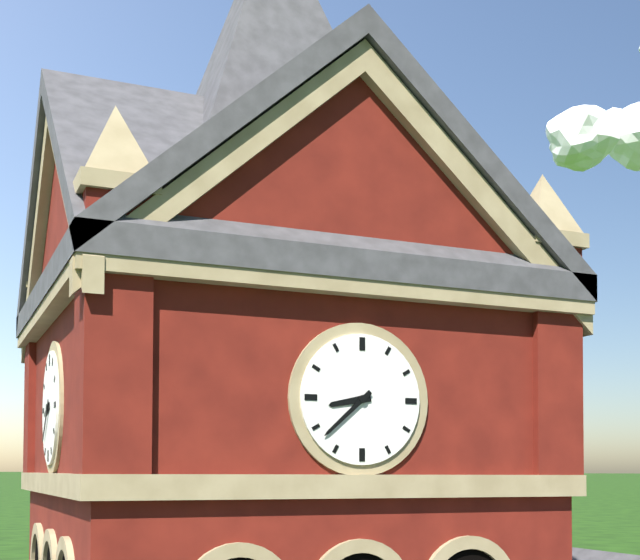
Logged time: 8:38
